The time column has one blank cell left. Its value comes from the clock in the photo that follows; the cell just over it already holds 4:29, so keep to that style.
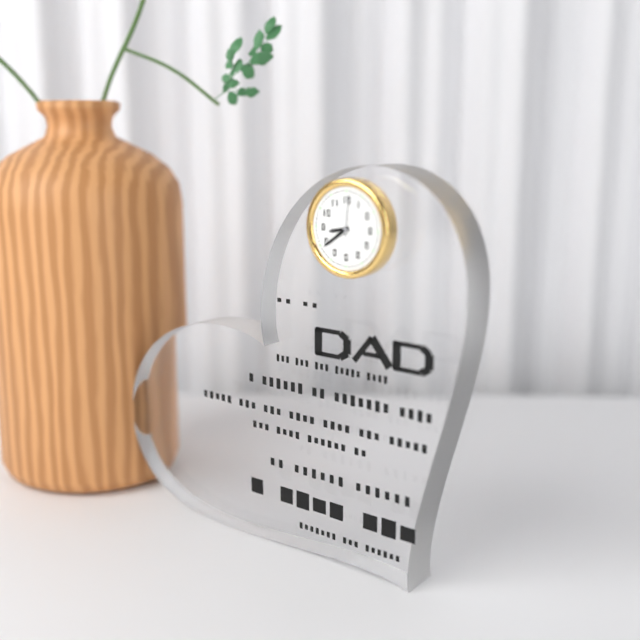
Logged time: 8:39
